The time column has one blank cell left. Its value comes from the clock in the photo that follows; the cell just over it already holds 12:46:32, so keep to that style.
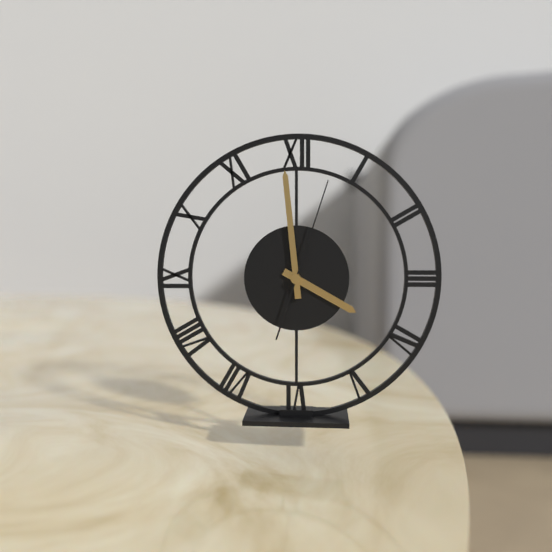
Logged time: 3:59:03
